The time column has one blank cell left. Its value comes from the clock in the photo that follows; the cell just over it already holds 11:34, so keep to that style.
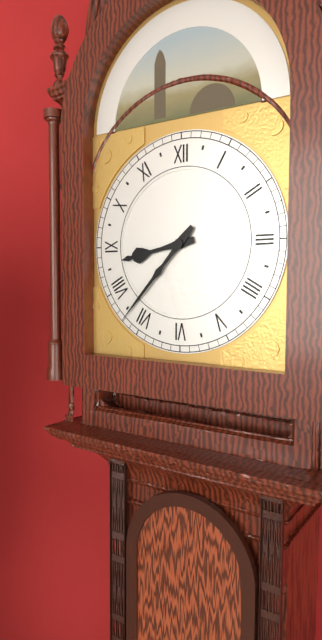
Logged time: 8:37
